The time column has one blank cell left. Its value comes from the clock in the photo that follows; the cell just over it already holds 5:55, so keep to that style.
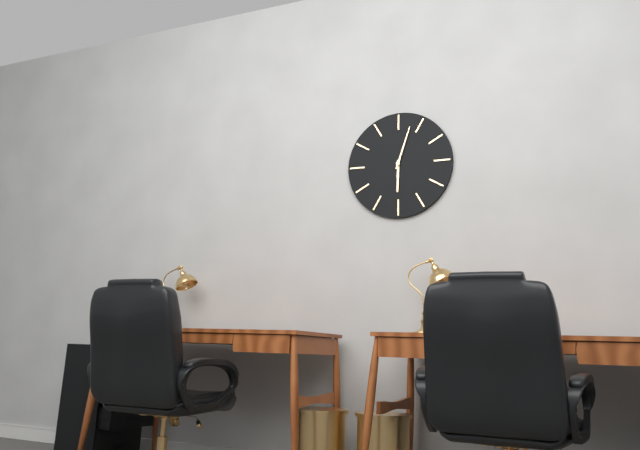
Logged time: 6:03
